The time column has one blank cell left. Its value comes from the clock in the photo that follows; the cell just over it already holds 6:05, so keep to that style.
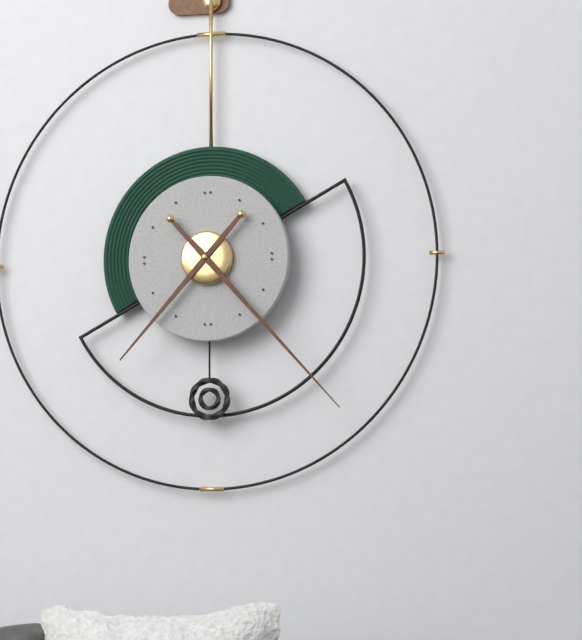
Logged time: 7:23
